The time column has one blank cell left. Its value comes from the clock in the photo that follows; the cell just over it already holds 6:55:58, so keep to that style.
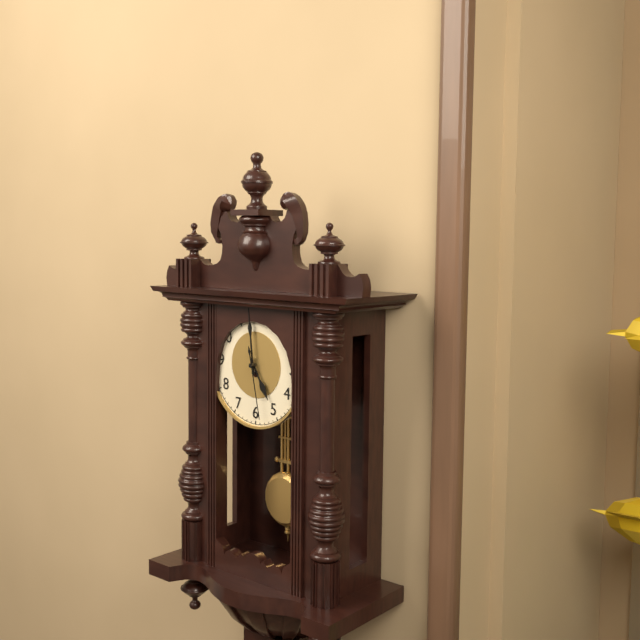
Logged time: 4:59:28
